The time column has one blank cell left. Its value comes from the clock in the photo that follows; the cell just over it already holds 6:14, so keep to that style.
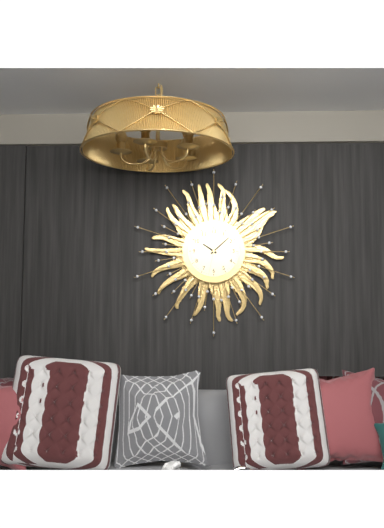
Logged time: 10:08
